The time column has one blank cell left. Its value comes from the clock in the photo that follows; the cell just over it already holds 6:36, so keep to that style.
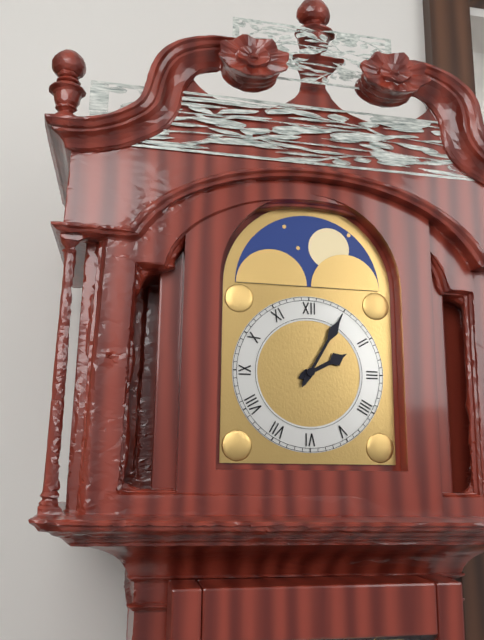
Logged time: 2:05
